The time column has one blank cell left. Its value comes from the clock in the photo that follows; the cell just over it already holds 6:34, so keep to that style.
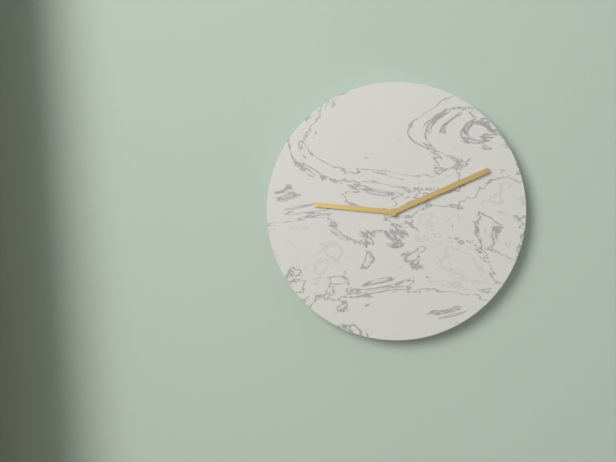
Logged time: 9:11
